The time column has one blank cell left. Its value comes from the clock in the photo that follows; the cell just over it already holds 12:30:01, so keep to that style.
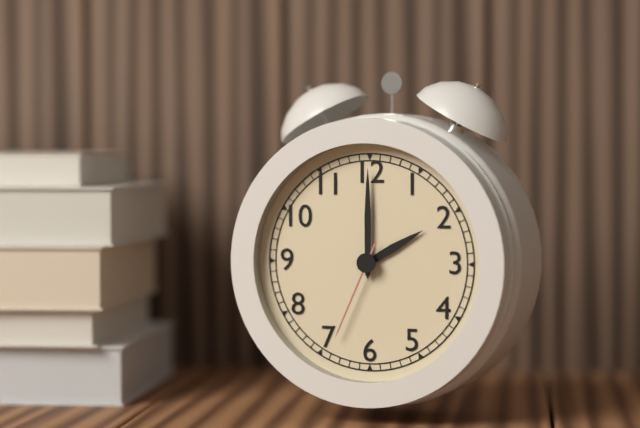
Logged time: 2:00:34
